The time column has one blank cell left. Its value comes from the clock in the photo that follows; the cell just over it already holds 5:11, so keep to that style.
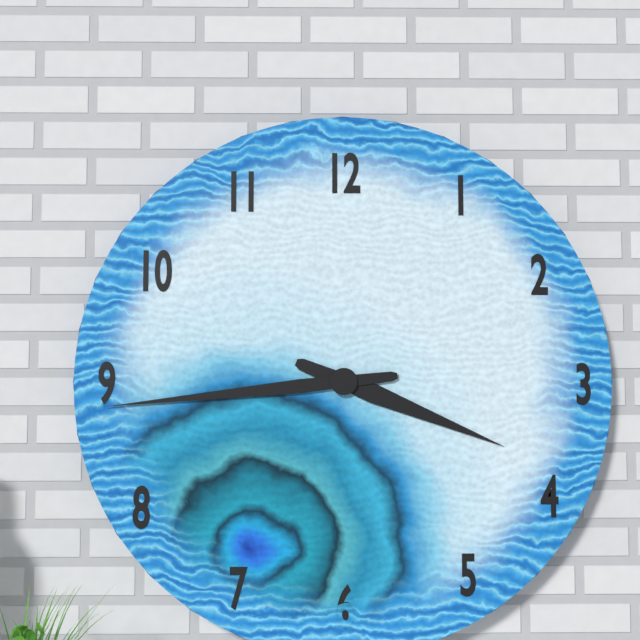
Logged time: 3:44
